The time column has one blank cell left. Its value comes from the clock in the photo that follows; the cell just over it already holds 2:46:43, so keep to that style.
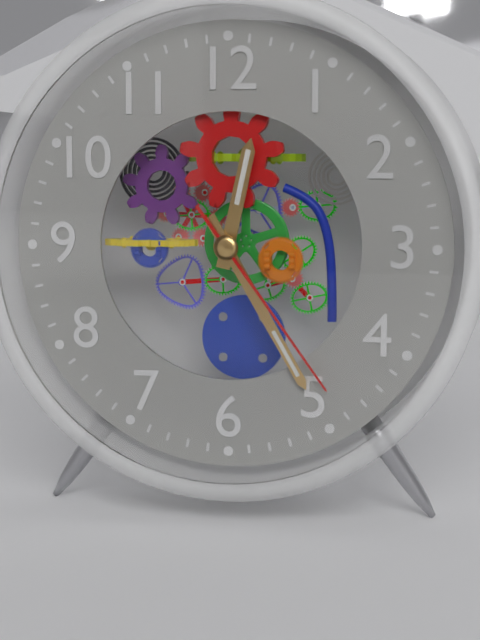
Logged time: 12:25:24
